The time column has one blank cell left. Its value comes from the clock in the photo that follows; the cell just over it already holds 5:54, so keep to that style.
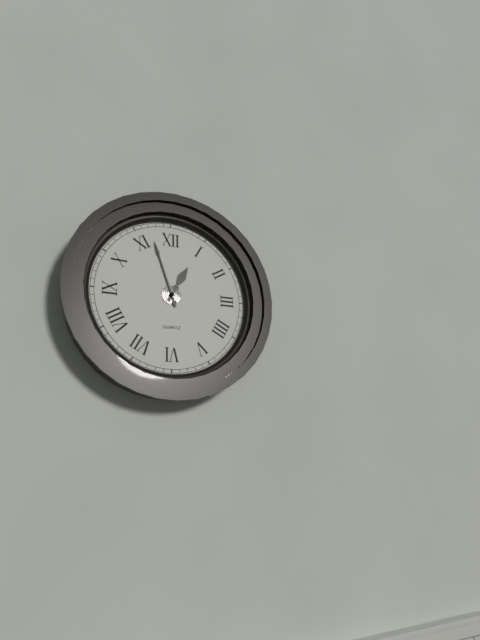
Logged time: 12:57
